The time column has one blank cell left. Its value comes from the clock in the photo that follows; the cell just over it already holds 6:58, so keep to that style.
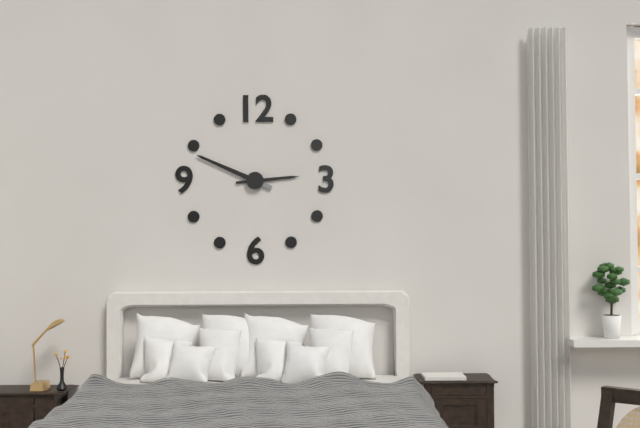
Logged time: 2:49
